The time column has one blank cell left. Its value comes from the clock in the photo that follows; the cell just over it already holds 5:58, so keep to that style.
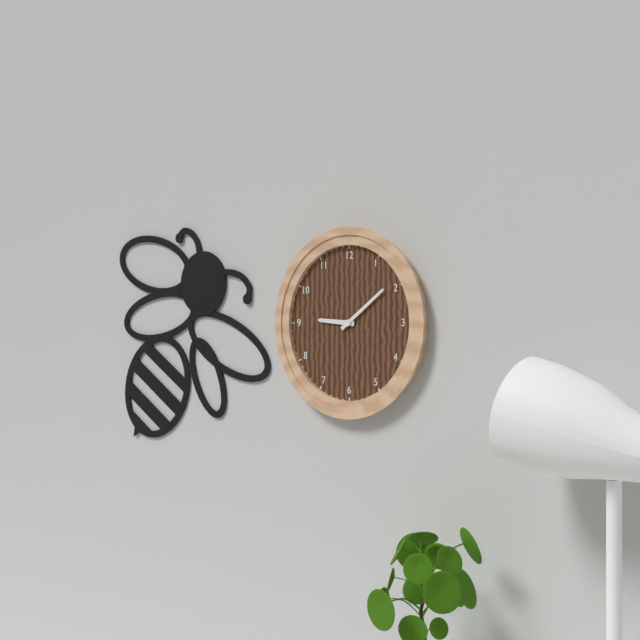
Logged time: 9:09
